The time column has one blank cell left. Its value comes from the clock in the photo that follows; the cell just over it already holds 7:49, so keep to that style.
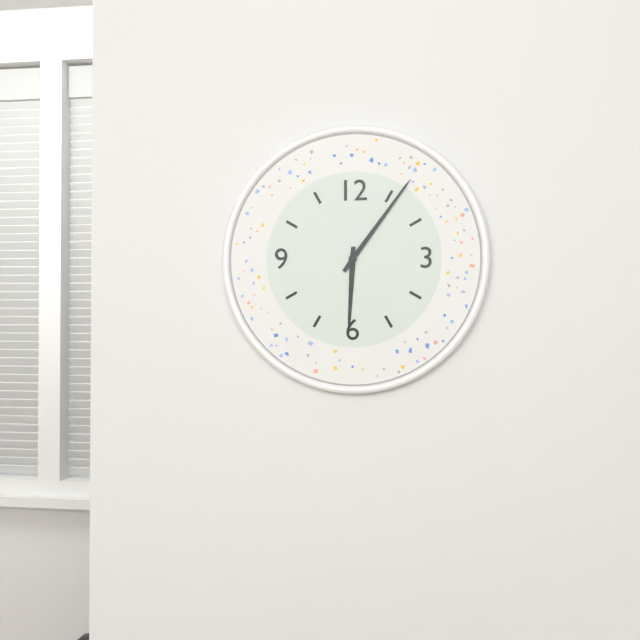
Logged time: 6:06
